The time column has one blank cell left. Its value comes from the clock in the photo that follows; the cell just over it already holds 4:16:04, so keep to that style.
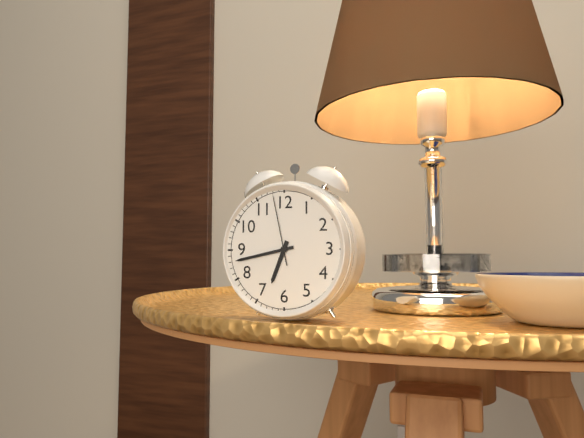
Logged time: 6:43:58
